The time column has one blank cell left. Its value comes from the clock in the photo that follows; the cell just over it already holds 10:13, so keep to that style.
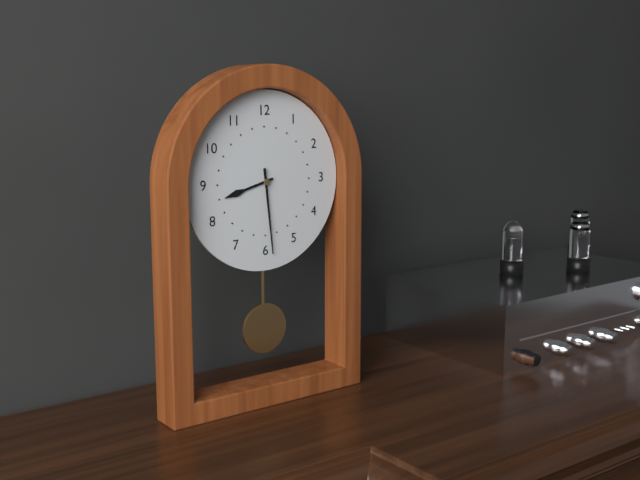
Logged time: 8:29
